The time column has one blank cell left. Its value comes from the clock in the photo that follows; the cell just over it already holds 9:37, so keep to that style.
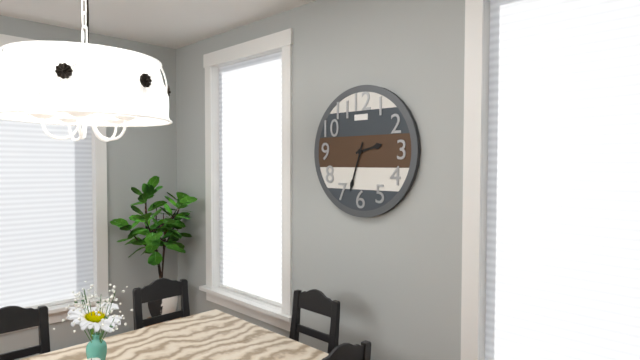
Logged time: 2:33
